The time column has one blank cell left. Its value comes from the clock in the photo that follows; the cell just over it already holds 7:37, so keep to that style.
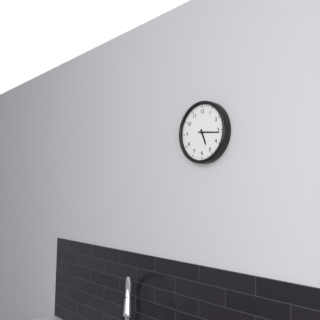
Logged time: 5:16
